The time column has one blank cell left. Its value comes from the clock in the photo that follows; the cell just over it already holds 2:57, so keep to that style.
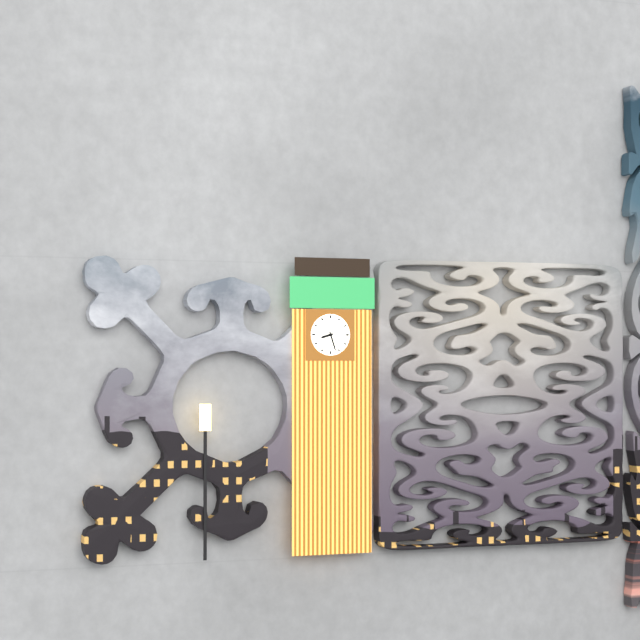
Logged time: 8:27
